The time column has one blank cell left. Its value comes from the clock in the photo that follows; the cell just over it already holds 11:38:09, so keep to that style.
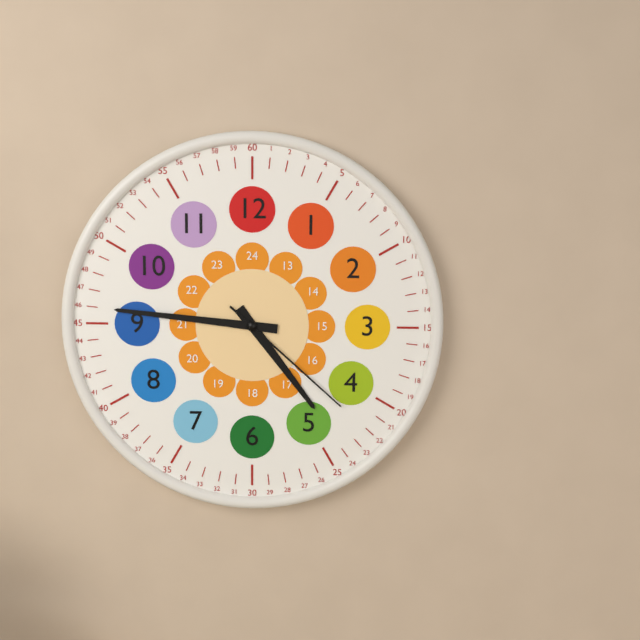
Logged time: 4:46:22
